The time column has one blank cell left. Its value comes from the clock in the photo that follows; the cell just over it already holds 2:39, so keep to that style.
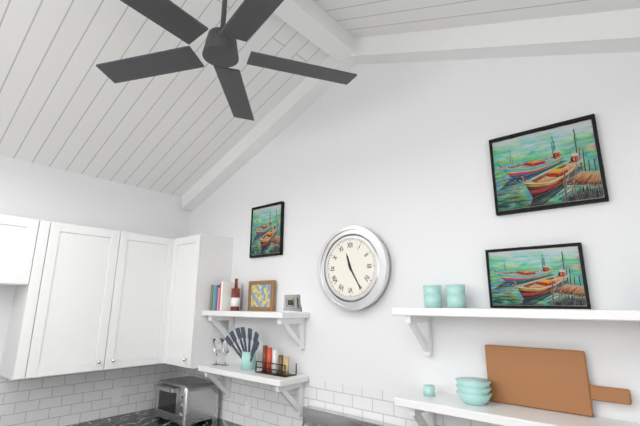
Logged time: 11:25
